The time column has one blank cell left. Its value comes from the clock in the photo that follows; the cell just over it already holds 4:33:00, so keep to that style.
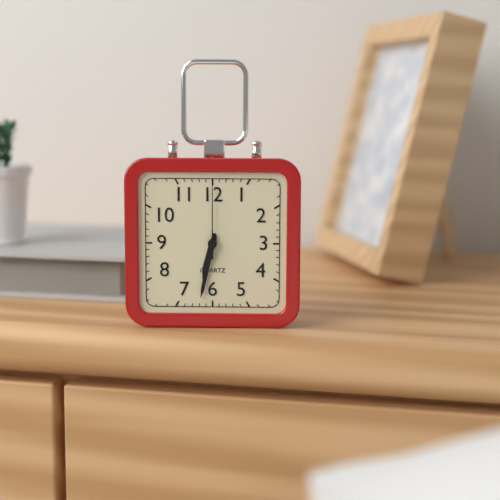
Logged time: 6:32:00
